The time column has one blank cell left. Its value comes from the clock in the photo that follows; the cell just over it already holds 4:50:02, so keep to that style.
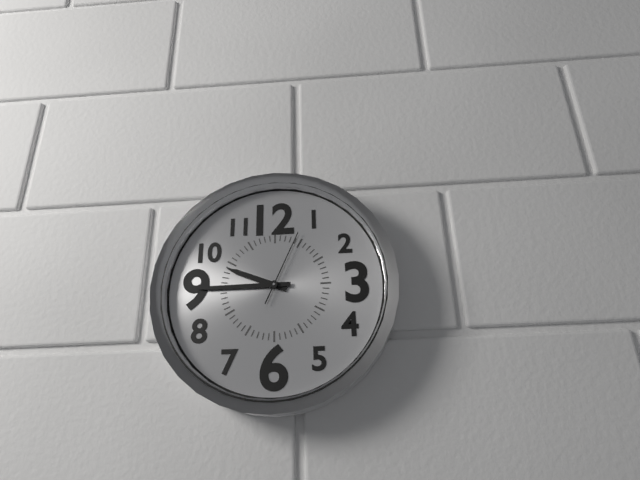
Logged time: 9:45:04
